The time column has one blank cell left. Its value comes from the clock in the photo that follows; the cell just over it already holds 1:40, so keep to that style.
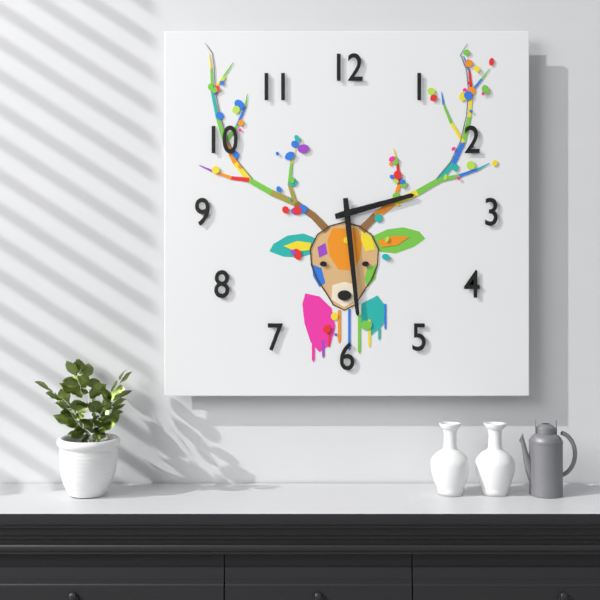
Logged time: 2:29
